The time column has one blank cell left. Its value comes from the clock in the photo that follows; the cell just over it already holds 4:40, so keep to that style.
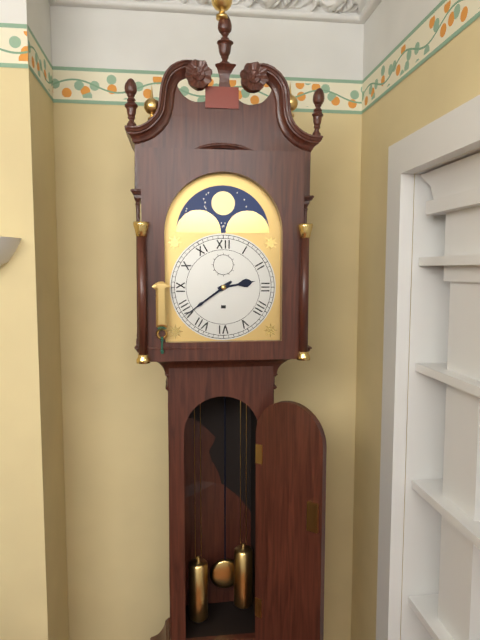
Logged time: 2:39
